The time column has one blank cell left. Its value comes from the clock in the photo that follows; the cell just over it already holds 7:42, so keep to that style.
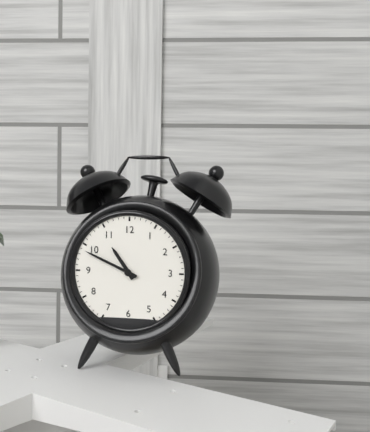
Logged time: 10:49
